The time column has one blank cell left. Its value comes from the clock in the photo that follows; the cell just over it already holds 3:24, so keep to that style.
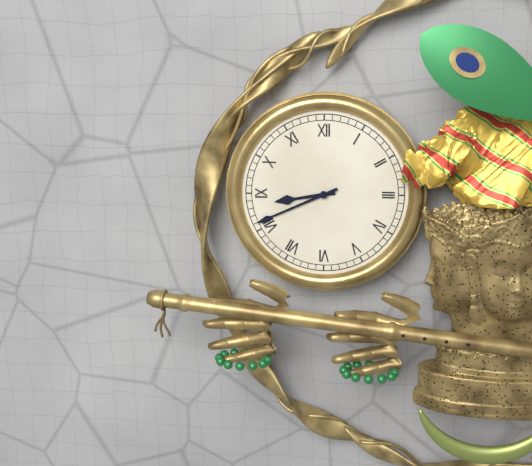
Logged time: 8:41
